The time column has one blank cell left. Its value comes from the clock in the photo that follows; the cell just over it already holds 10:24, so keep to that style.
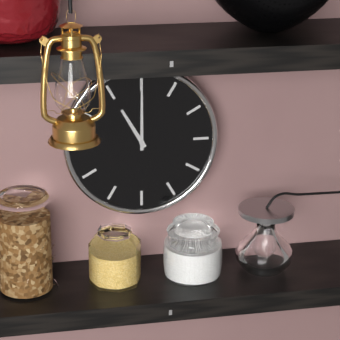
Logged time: 11:00
